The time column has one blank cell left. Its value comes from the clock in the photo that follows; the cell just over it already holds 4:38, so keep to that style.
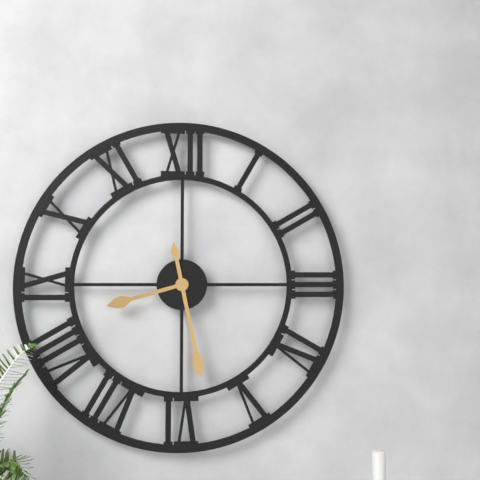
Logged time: 8:28
